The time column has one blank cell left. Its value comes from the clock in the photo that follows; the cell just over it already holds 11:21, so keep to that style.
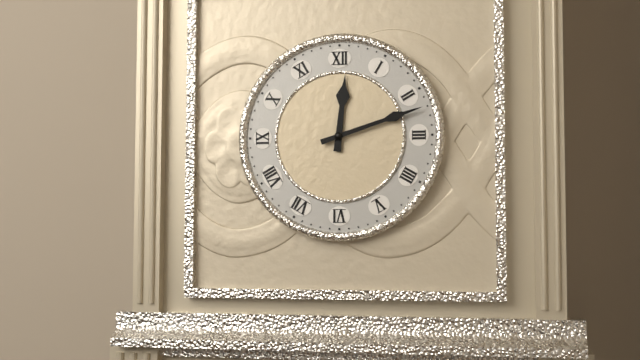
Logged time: 12:12
